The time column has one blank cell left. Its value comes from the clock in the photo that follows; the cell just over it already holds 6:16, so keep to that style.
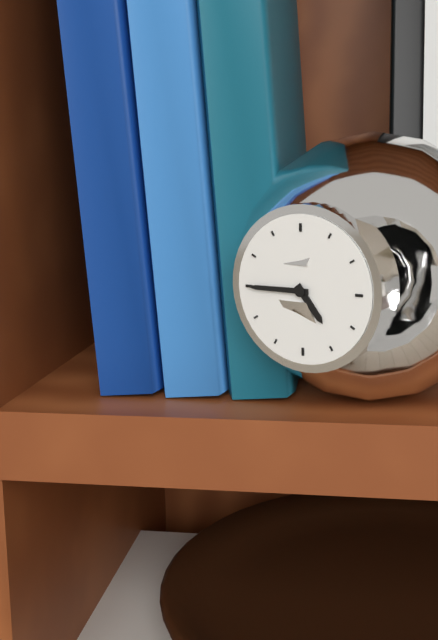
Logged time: 4:45
